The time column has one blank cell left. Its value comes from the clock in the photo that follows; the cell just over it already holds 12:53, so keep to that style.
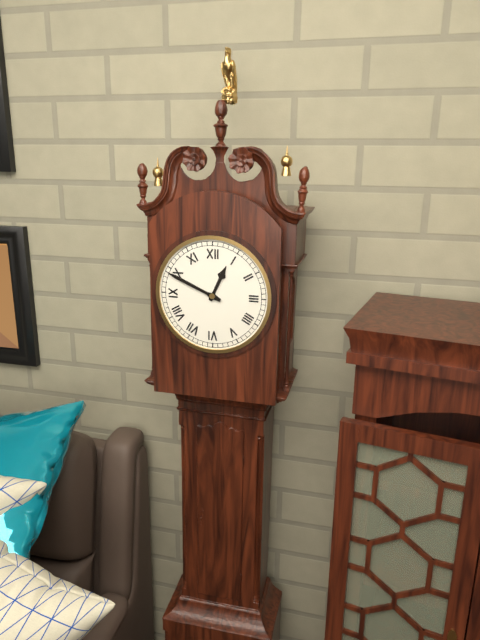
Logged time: 12:49
